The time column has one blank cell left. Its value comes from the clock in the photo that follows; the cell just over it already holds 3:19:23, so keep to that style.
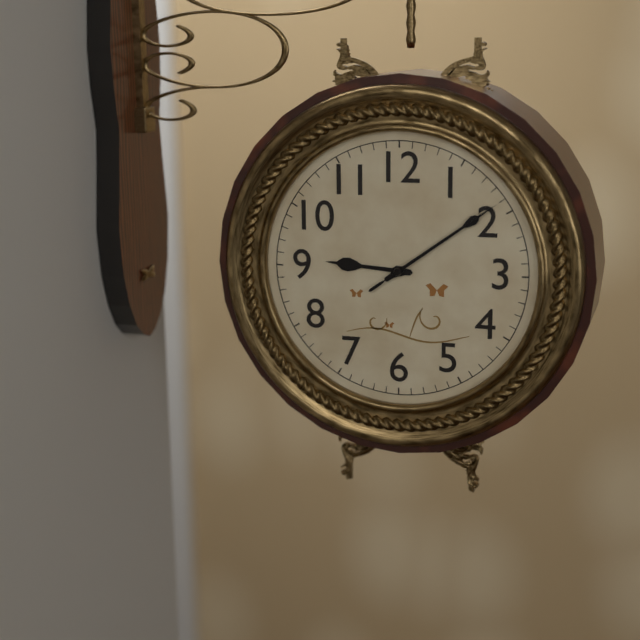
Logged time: 9:09:09
